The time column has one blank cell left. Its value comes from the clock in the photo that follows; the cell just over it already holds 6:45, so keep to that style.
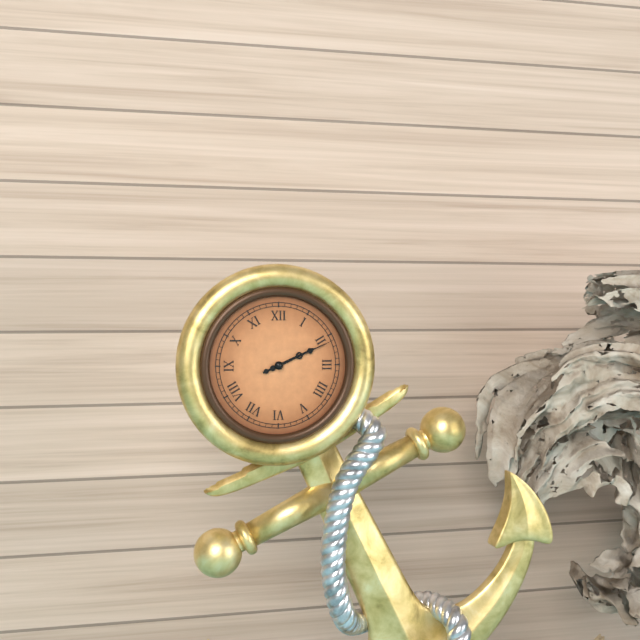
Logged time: 2:11
